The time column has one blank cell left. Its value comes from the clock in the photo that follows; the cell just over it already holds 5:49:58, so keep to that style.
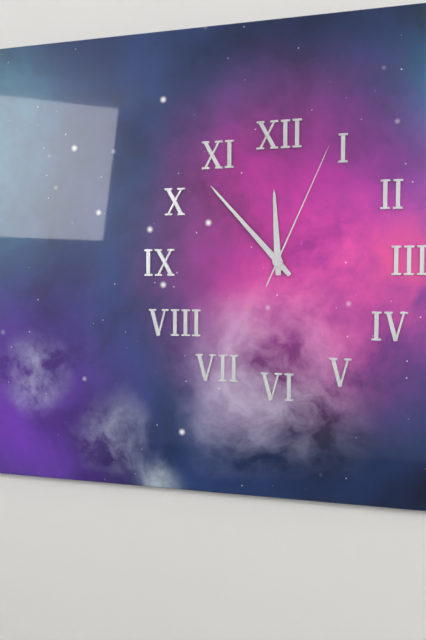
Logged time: 11:53:04
